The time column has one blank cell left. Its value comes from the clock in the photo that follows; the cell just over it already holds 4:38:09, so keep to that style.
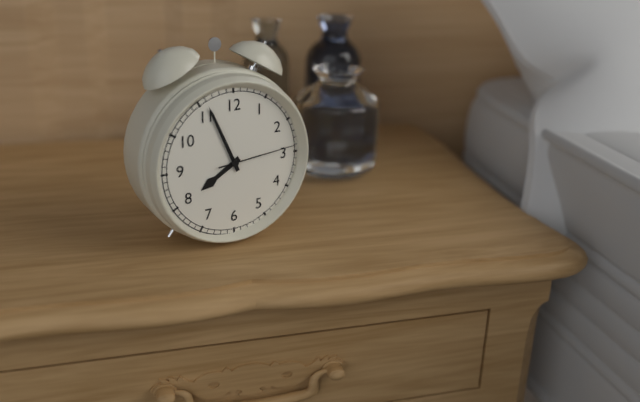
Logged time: 7:56:14
